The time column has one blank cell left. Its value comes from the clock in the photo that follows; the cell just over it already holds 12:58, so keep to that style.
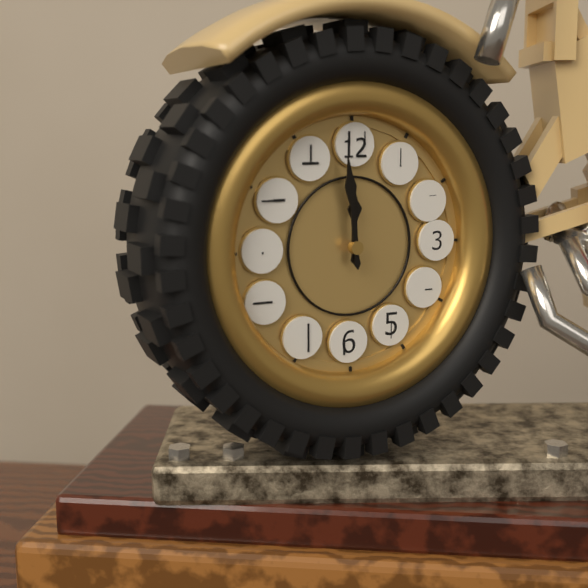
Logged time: 11:59
